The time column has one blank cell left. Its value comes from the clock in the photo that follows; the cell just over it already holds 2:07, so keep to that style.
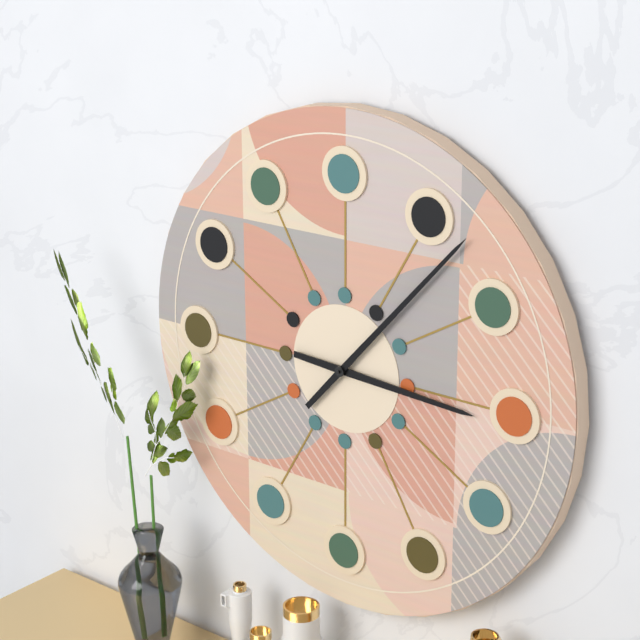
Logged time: 3:07
